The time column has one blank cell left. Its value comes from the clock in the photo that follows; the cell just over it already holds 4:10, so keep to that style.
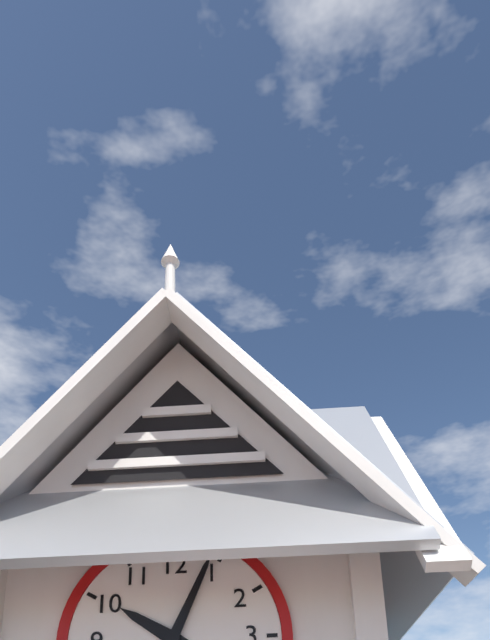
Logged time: 10:04
